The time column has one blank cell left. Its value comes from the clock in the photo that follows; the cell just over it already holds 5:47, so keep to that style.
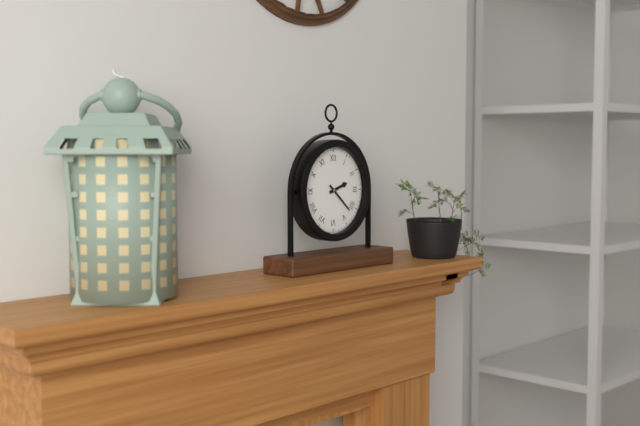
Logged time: 2:22
